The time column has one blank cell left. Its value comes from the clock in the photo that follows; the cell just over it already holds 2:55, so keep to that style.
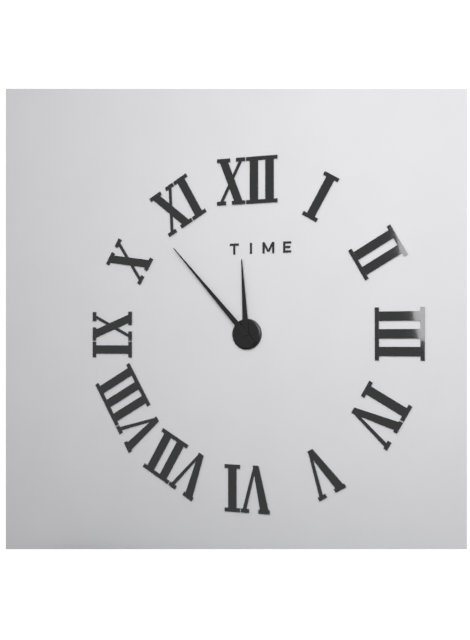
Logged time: 11:53
